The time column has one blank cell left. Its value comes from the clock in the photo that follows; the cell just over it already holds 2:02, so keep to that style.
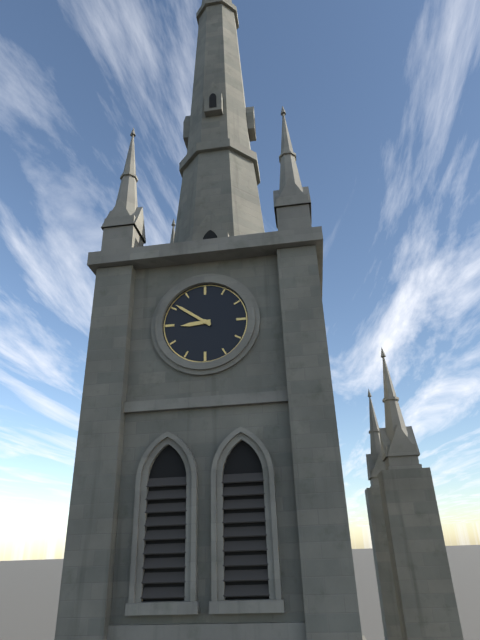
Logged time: 8:51
